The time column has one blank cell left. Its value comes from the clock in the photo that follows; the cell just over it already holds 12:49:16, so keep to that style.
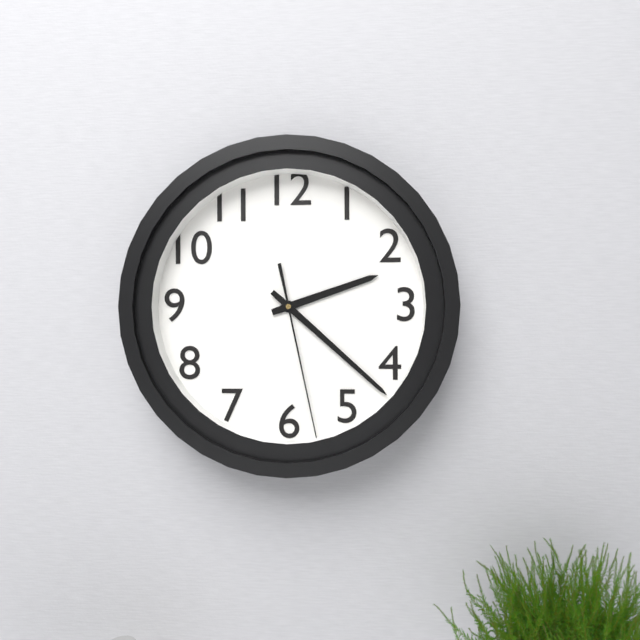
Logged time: 2:22:28
